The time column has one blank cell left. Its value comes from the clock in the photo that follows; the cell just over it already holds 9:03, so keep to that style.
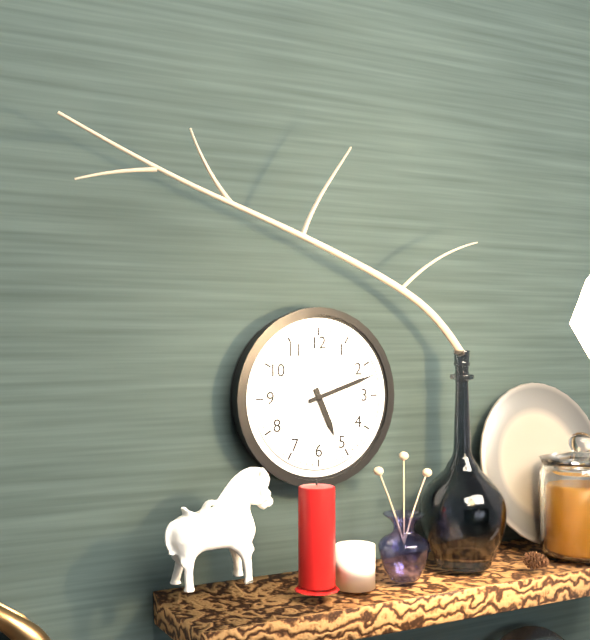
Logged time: 5:12
